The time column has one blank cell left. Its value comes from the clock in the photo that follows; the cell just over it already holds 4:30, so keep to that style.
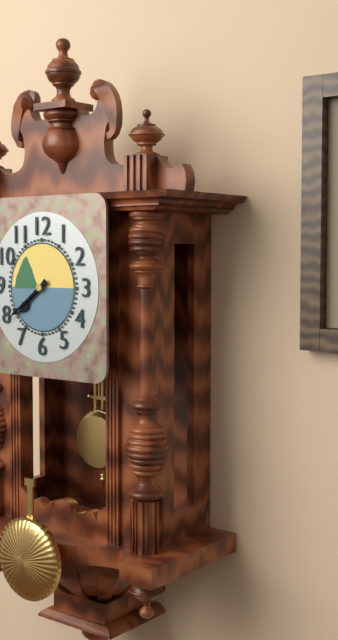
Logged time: 7:39
